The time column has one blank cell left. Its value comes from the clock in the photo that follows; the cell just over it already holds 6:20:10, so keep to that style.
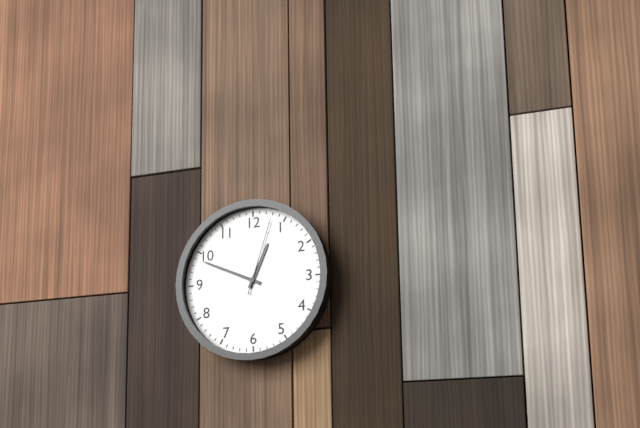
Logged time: 12:49:03
